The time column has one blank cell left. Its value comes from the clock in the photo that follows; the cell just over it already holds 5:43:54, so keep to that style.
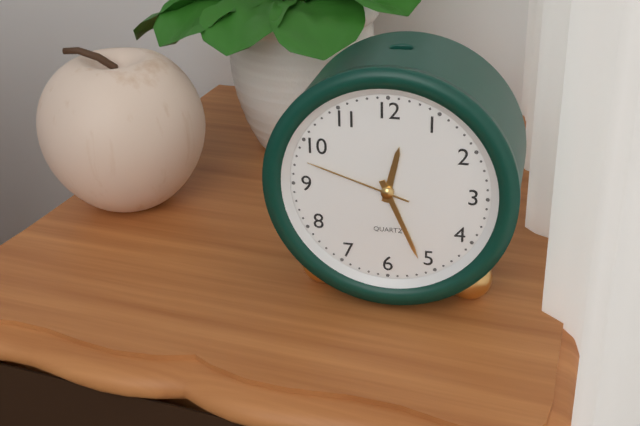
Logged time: 12:26:48
